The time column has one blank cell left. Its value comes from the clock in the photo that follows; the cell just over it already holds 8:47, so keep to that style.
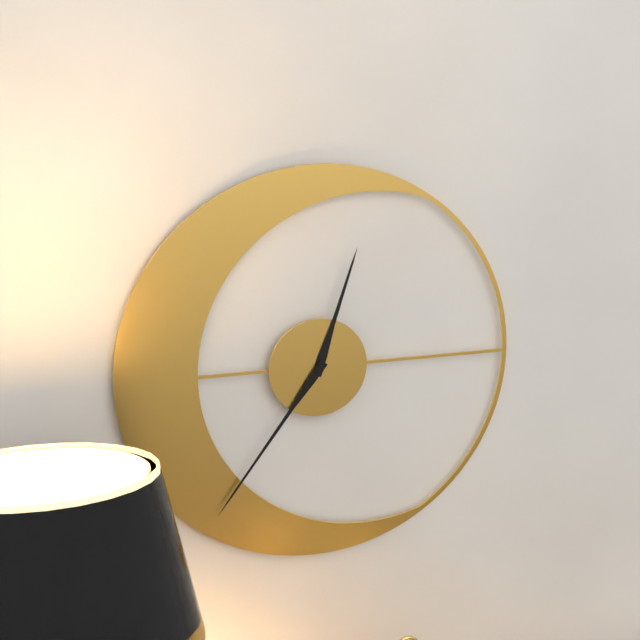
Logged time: 12:36
